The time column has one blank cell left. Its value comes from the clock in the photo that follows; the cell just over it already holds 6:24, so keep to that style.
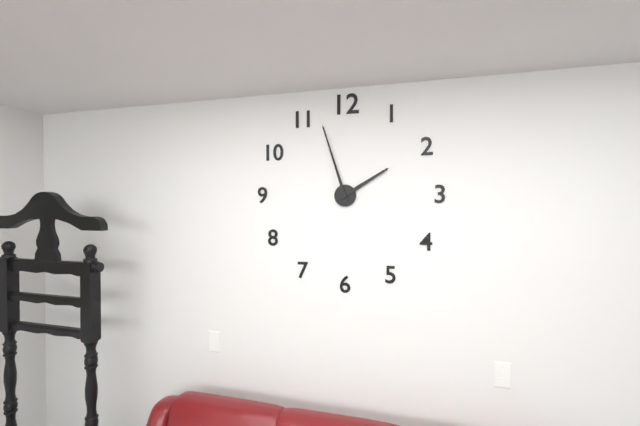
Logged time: 1:57
